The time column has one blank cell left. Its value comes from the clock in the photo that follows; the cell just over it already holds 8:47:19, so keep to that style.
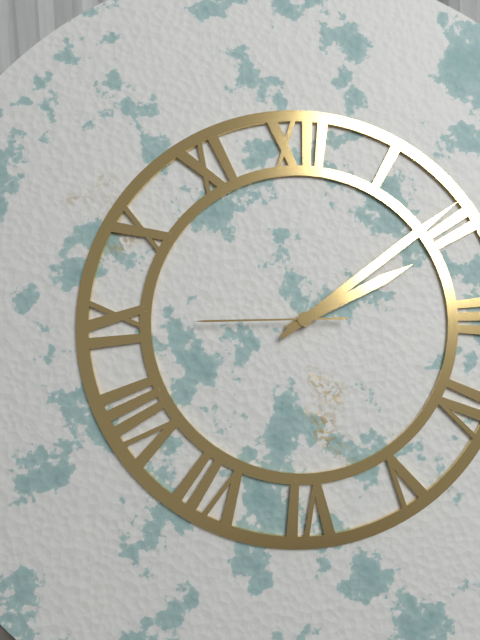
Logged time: 2:09:45
